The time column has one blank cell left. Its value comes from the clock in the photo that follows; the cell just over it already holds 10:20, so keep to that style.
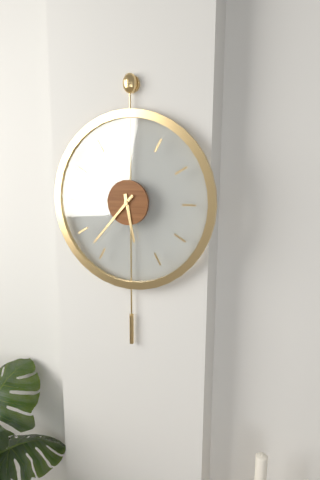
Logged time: 5:37
